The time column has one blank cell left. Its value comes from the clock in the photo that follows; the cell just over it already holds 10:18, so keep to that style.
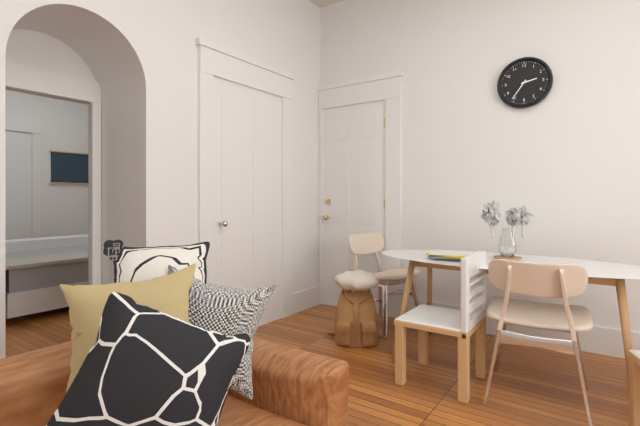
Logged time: 2:36
